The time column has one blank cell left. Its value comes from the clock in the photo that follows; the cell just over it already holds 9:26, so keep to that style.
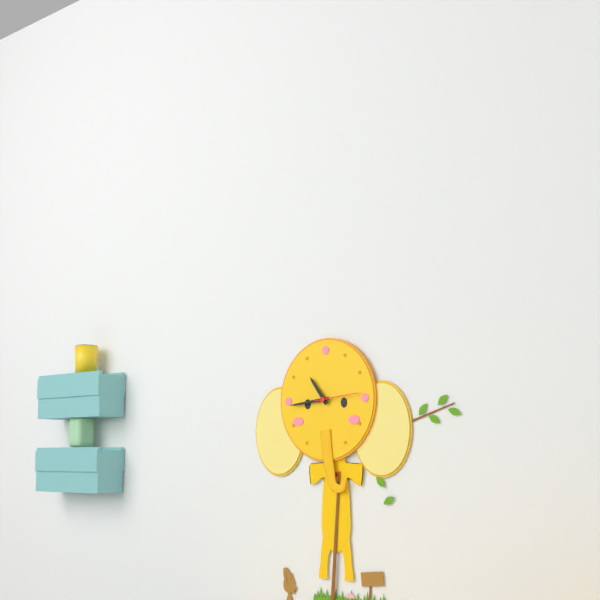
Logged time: 10:44
